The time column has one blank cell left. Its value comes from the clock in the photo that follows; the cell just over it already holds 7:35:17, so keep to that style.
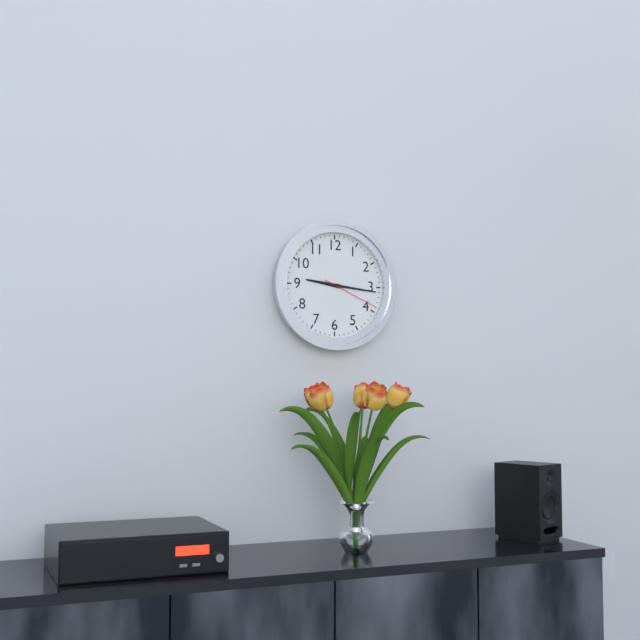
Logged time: 9:16:19
